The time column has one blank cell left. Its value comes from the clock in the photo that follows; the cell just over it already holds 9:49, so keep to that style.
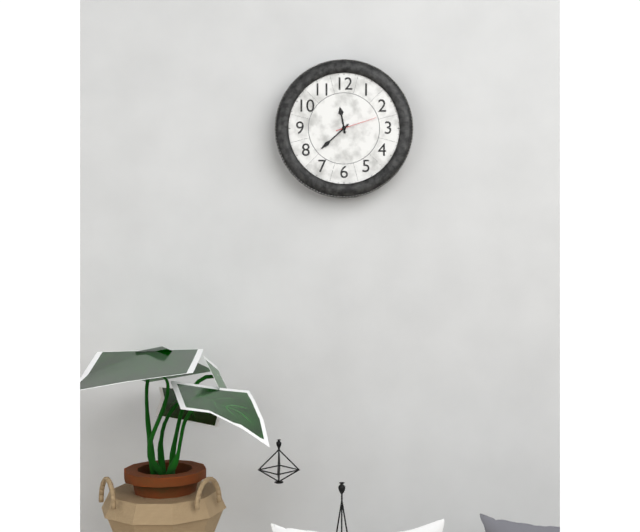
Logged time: 11:38
